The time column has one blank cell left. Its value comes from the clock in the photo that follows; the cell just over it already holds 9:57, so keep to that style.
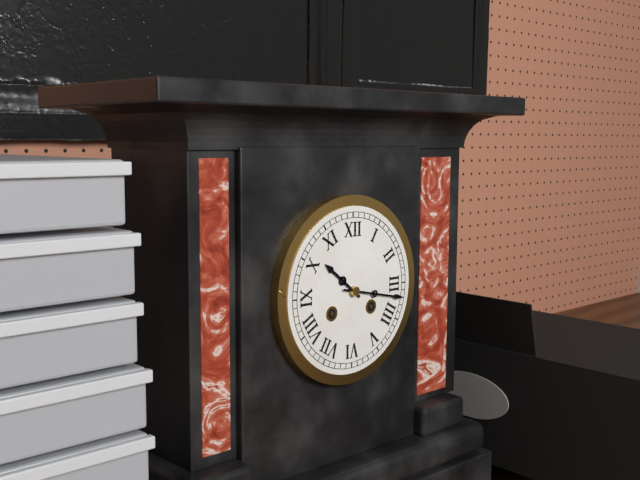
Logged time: 10:17
